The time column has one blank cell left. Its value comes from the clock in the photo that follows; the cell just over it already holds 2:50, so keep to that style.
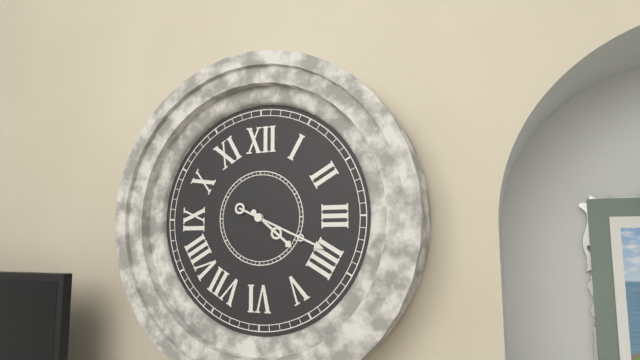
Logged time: 4:19
